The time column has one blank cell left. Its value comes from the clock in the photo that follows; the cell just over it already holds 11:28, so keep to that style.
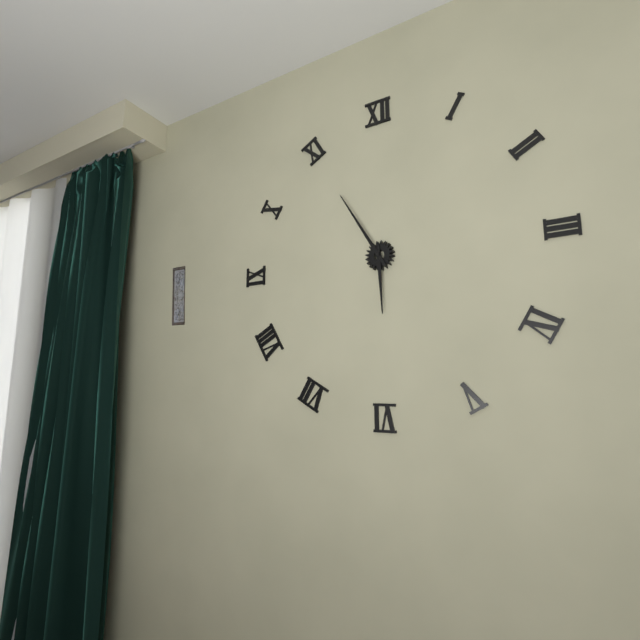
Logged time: 5:55
